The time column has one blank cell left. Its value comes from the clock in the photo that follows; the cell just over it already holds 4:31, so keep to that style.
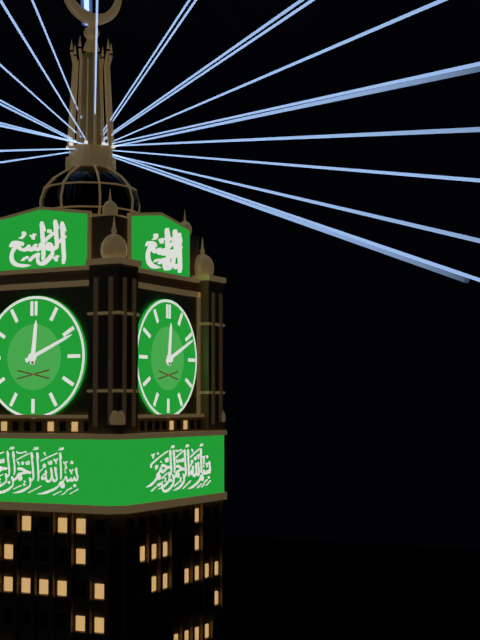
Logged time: 12:11
